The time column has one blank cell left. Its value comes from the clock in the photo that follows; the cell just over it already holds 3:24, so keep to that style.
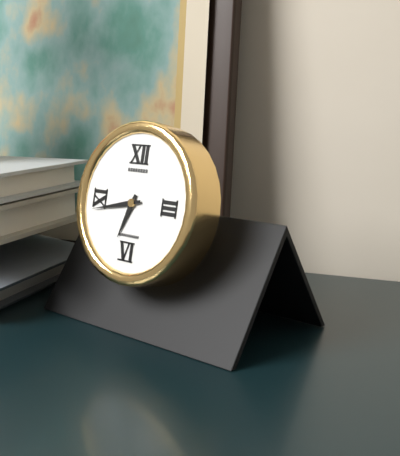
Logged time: 6:43
